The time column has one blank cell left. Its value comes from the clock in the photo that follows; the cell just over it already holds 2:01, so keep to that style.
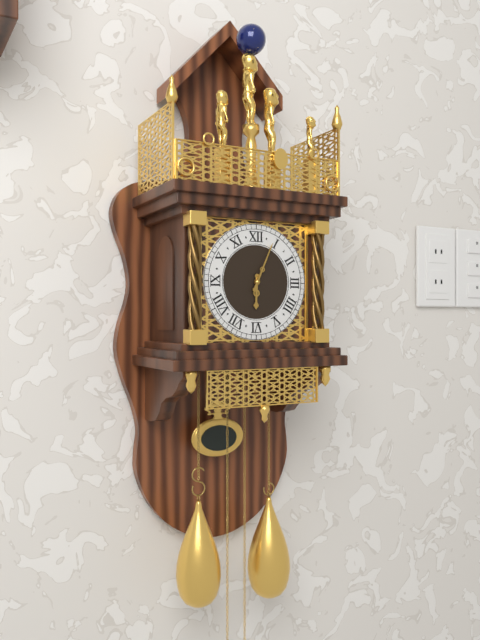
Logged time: 6:04
